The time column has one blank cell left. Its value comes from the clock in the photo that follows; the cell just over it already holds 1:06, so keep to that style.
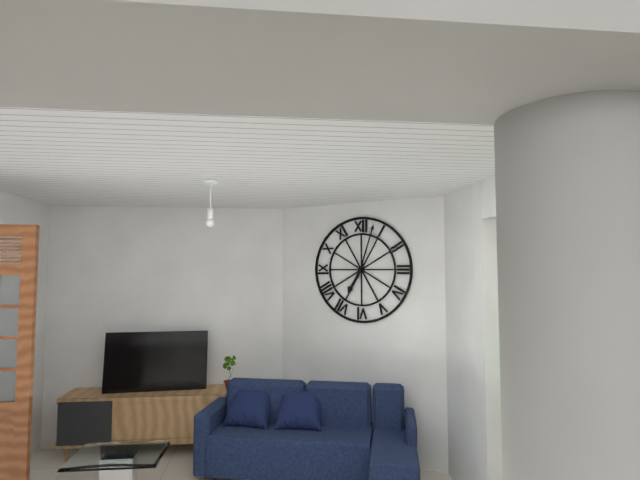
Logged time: 7:03
